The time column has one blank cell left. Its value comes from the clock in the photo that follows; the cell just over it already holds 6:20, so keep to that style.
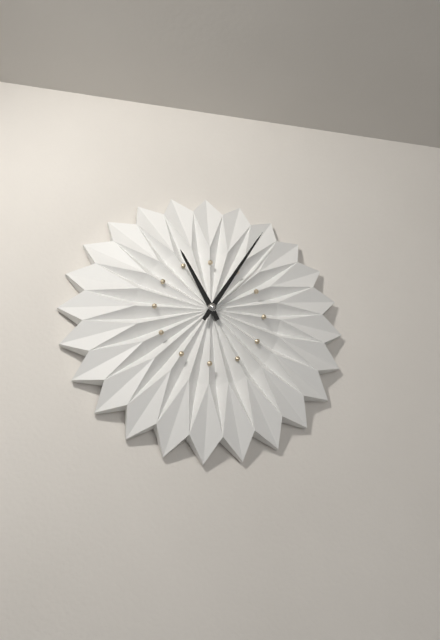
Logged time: 11:05
